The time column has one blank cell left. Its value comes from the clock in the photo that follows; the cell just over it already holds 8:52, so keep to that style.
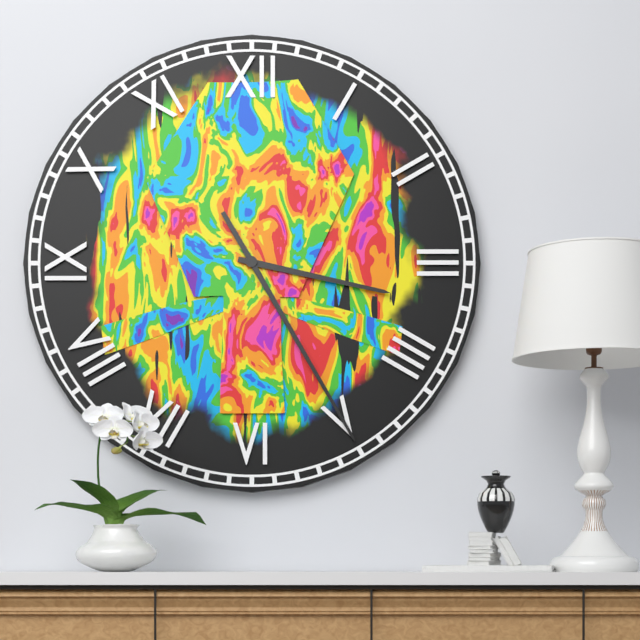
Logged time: 3:25
